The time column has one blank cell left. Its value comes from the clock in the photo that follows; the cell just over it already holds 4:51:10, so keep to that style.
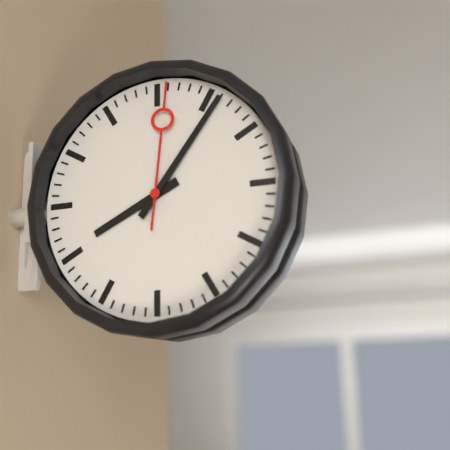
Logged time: 8:06:01
